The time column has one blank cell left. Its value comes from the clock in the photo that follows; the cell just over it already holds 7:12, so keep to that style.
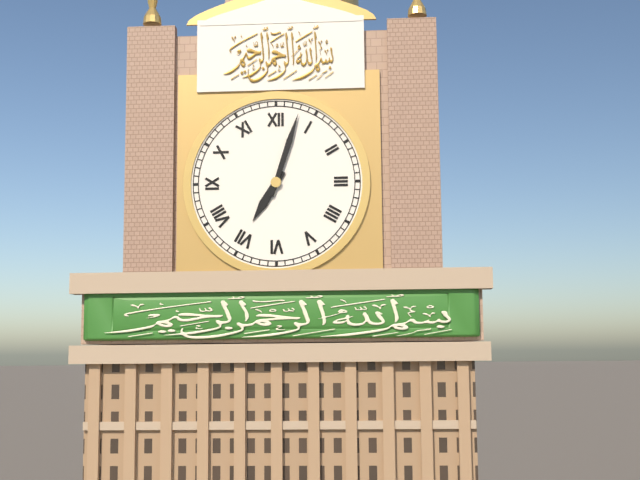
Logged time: 7:03
